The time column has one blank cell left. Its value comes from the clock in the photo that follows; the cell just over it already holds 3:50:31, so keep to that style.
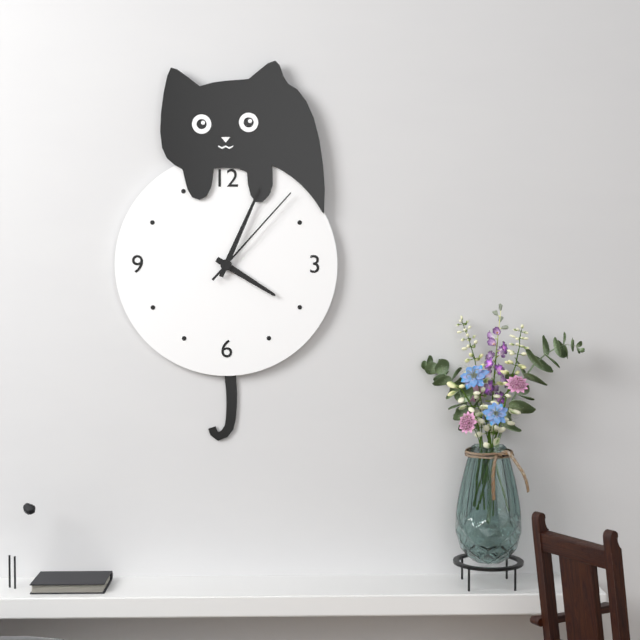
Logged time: 4:04:07
